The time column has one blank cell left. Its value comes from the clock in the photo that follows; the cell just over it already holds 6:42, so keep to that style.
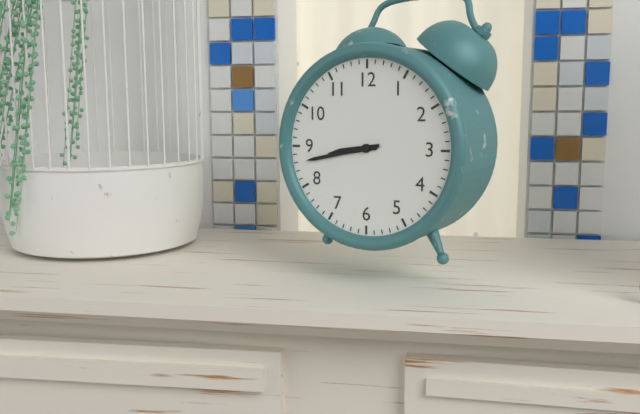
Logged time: 8:43
